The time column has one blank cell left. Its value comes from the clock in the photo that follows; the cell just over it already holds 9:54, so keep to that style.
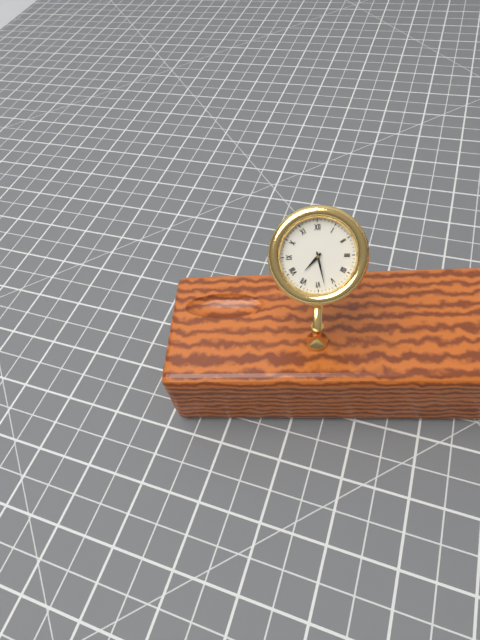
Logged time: 7:28
